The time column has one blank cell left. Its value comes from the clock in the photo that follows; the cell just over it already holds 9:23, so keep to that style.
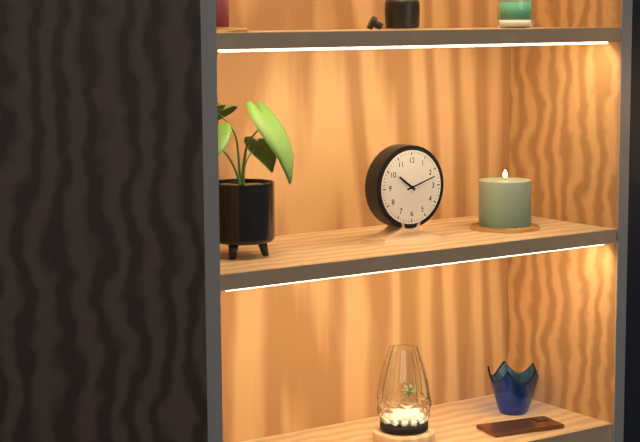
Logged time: 10:12
